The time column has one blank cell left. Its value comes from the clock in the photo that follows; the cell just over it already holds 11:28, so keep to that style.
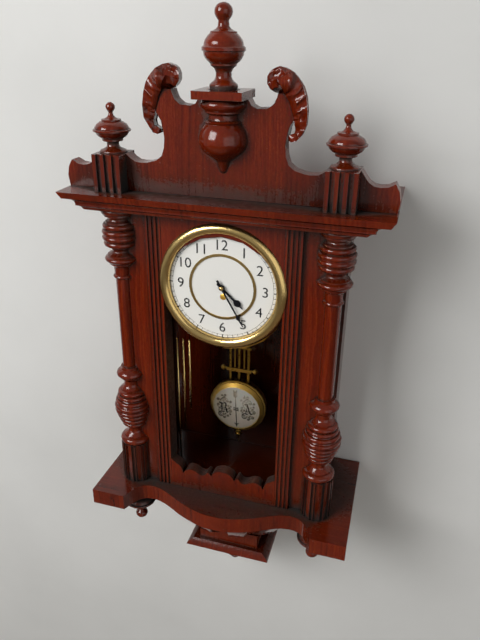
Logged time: 4:25
